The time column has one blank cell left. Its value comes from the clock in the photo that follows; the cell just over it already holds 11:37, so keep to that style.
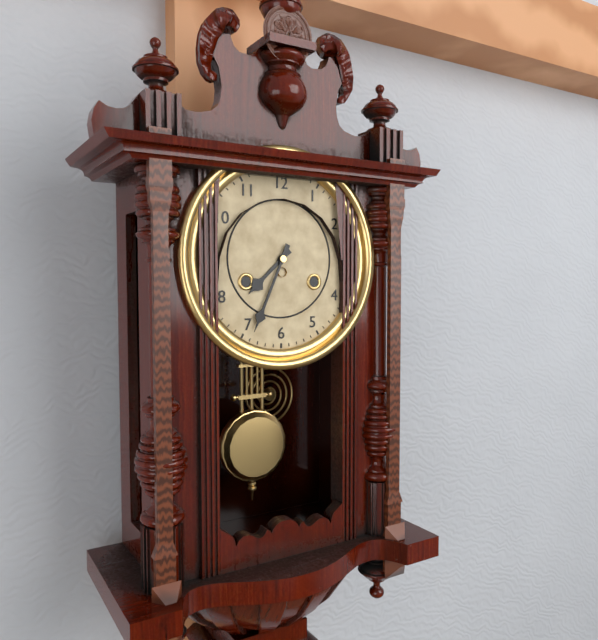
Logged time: 7:34
